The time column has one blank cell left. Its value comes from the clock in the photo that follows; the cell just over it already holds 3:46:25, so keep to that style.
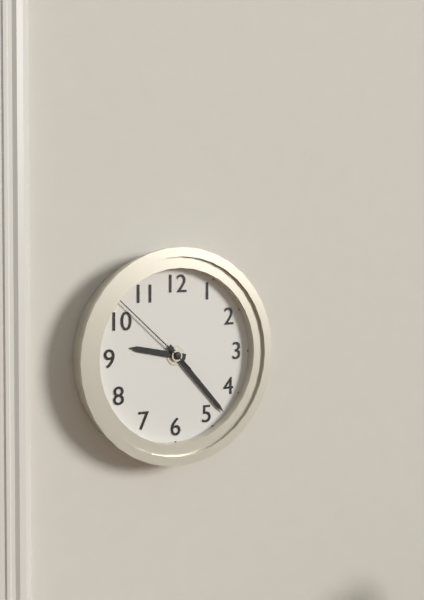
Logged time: 9:23:52
